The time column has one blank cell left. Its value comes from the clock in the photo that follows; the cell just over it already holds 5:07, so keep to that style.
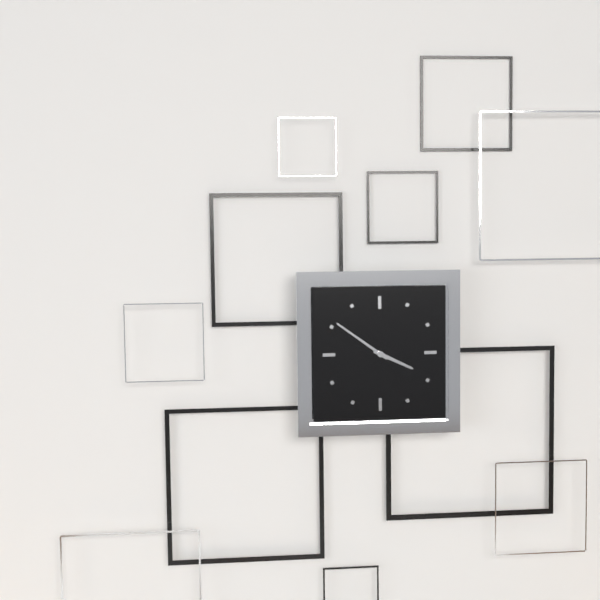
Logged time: 3:51
